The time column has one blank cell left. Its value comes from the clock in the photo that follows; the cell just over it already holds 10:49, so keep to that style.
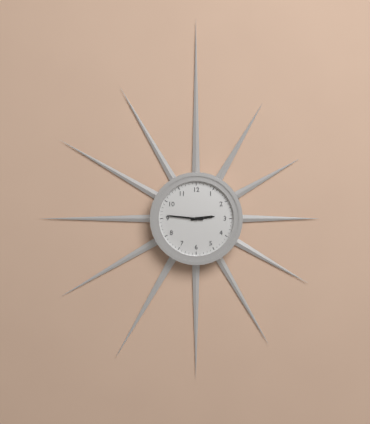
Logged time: 2:46
